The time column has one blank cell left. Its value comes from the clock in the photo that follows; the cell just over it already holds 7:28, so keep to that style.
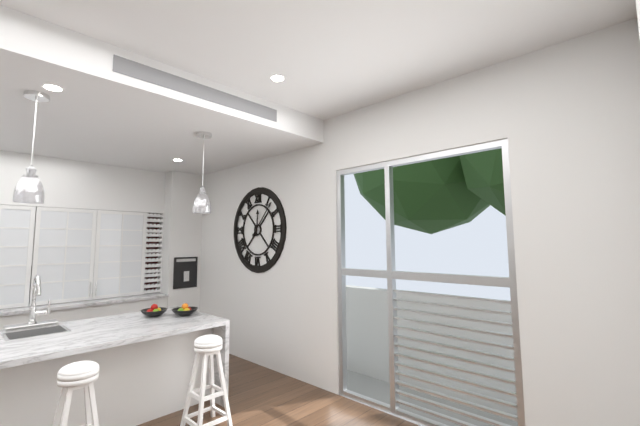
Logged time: 12:07
